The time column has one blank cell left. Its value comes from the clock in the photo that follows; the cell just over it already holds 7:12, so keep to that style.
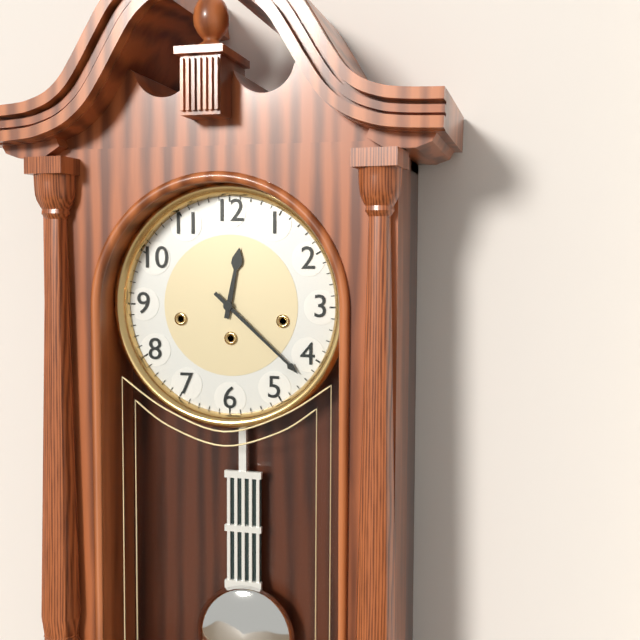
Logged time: 12:22
